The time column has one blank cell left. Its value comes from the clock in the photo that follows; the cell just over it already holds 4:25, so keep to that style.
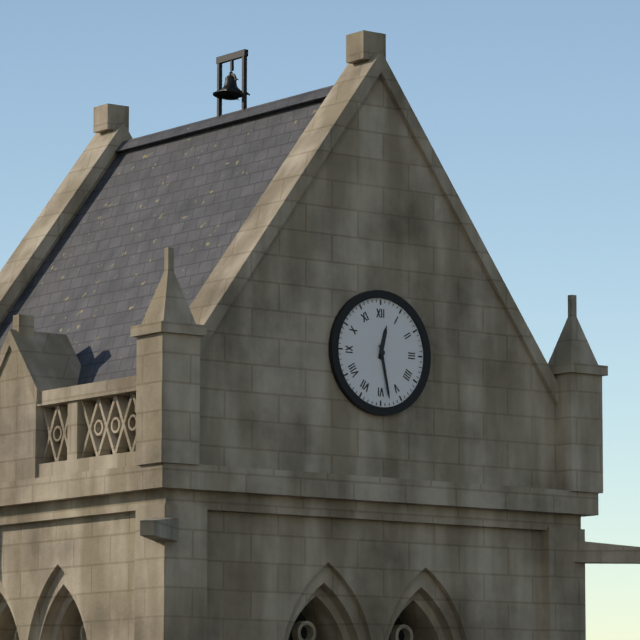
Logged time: 12:28
